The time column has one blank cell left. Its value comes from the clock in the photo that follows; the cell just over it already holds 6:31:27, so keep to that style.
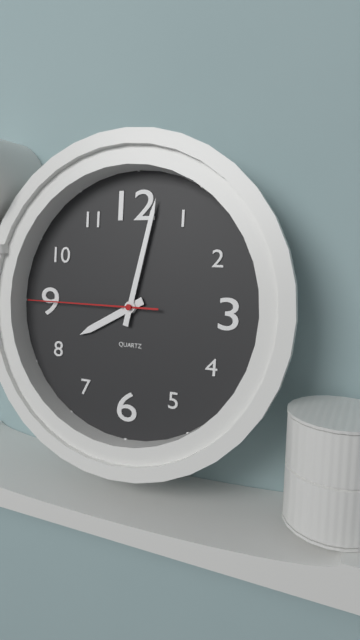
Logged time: 8:02:45
